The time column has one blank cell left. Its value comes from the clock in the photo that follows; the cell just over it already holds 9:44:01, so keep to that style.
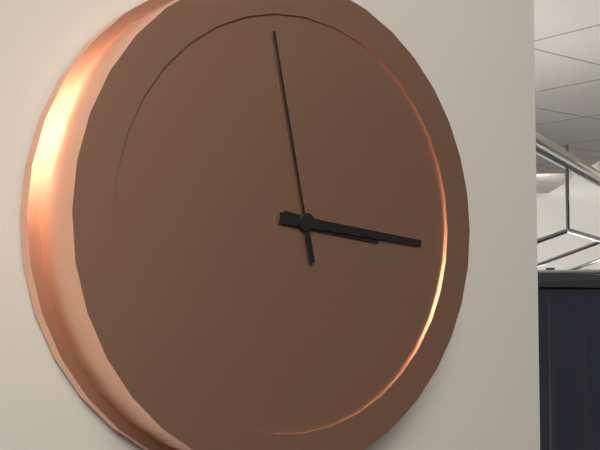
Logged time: 3:16:58
